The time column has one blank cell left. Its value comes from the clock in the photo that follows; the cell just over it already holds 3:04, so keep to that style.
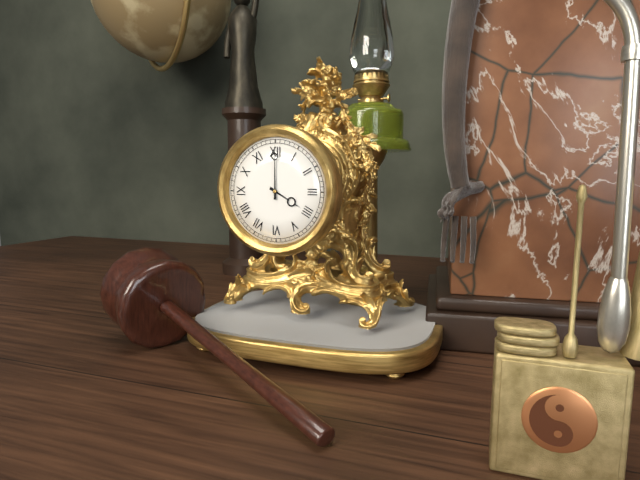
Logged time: 4:00
